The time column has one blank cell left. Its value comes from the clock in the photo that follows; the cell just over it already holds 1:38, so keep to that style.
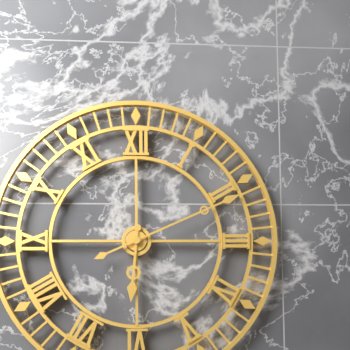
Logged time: 6:11
